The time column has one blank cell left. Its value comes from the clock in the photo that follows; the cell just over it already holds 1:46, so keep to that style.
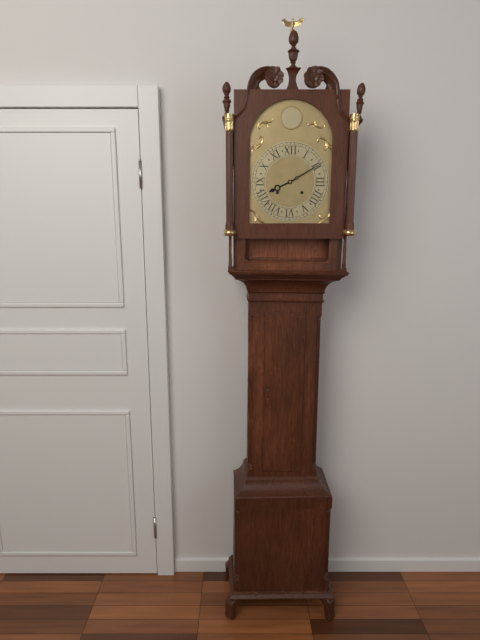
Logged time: 8:10
